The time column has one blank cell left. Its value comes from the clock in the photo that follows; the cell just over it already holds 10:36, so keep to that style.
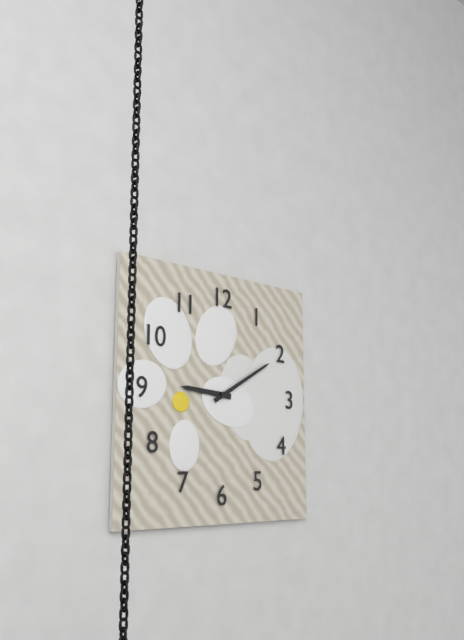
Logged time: 9:10
